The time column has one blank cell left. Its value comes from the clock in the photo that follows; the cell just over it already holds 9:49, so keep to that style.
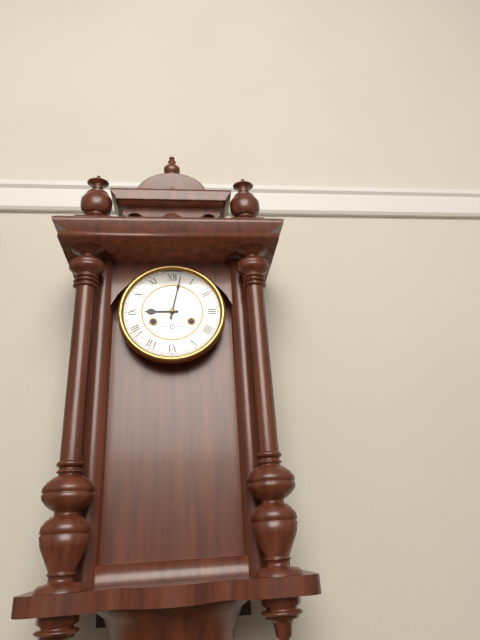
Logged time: 9:02
